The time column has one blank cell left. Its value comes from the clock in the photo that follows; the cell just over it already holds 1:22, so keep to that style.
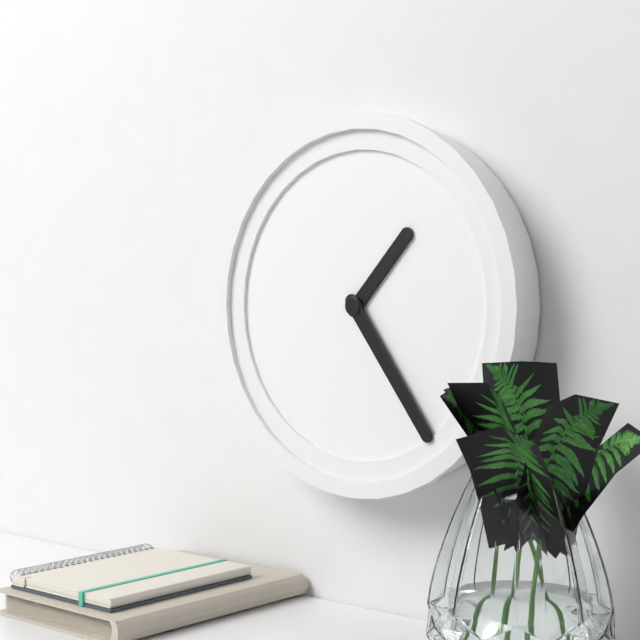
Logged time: 1:24
